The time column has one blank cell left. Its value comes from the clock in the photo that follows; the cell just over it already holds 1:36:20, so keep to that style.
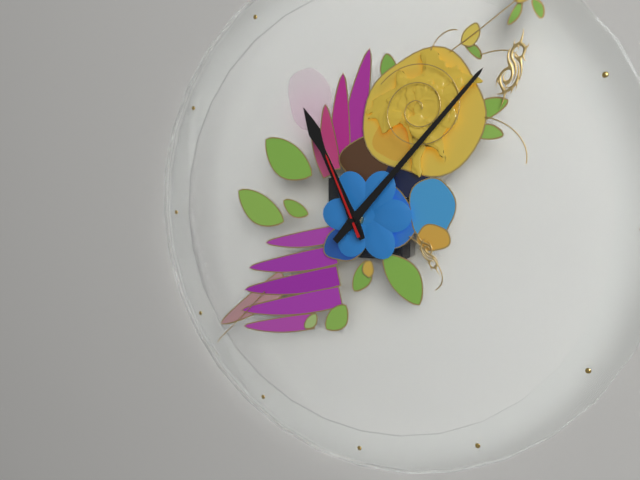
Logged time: 11:07:56
